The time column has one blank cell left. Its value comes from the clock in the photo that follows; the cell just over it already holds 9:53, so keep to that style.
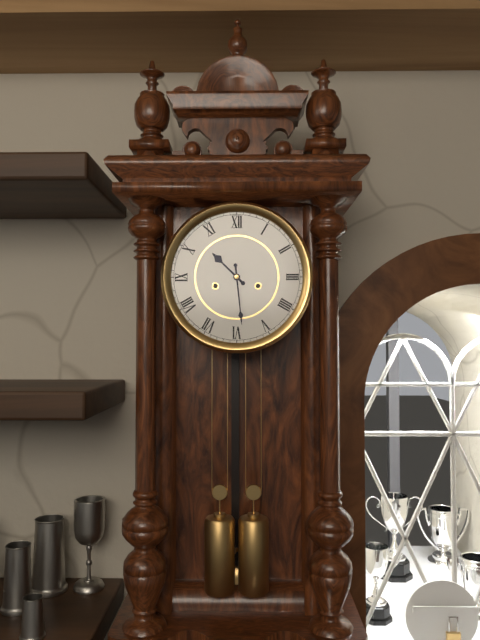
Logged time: 10:29
